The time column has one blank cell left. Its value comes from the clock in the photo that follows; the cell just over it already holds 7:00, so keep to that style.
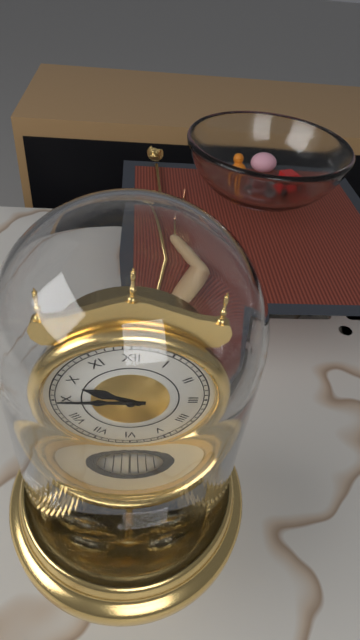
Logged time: 9:45
